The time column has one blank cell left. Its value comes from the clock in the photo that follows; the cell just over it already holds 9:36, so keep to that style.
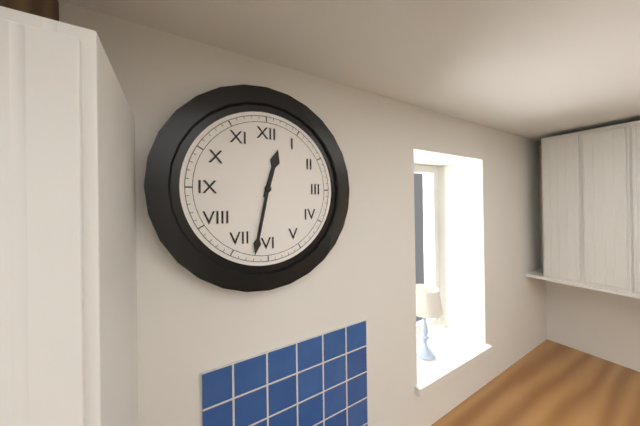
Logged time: 12:32
